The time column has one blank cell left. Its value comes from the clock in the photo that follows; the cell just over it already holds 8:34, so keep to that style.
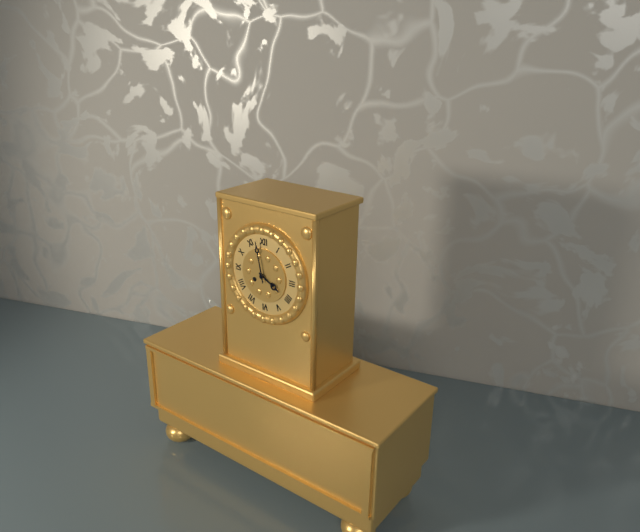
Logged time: 3:58
